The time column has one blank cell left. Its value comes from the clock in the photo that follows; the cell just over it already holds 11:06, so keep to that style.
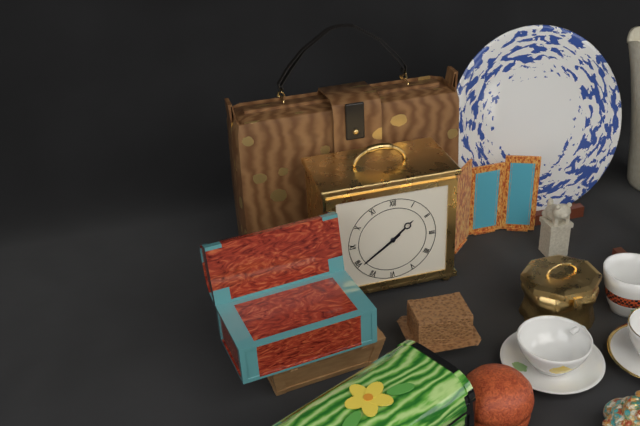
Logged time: 1:39
